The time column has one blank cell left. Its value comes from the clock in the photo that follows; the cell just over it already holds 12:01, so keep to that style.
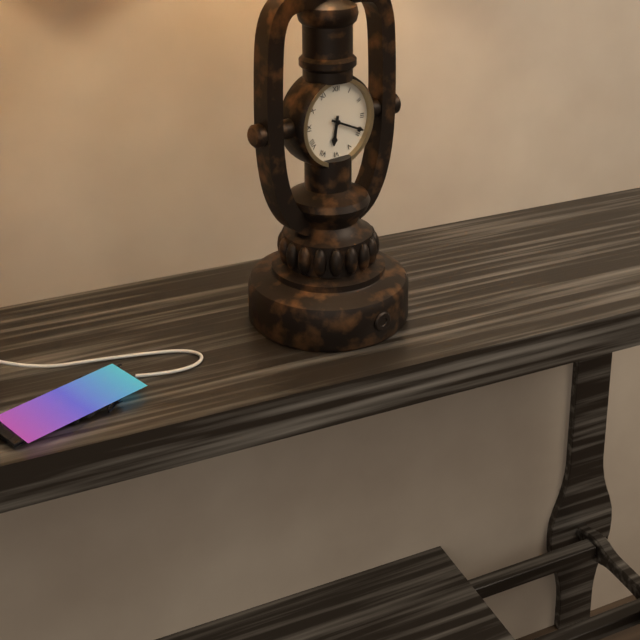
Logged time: 6:19
